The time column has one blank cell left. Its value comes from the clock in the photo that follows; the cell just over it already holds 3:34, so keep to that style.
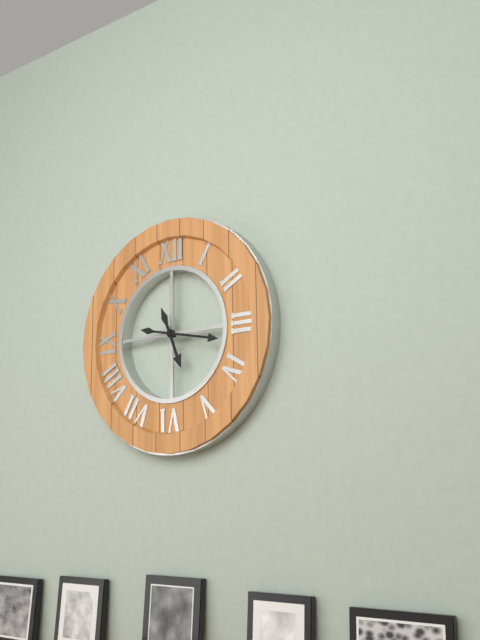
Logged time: 5:17
